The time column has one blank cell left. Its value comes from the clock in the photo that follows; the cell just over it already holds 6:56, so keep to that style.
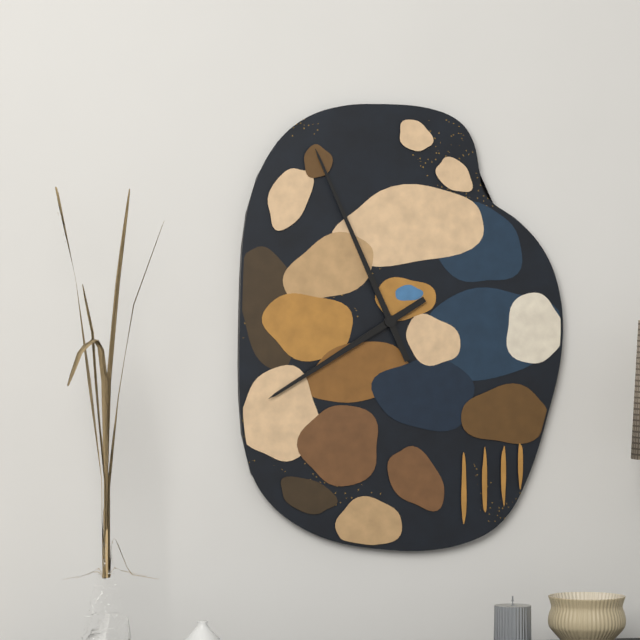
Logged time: 7:56
